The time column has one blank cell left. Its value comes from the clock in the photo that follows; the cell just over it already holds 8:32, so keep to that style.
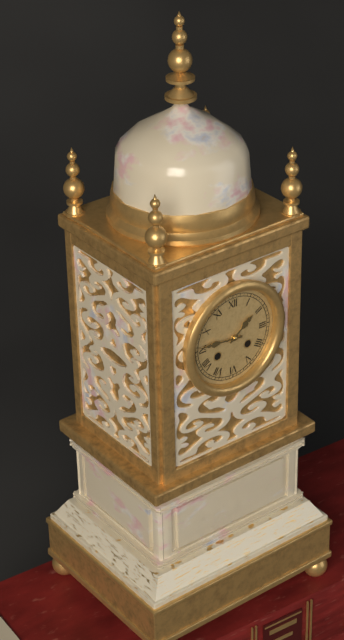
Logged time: 1:46
